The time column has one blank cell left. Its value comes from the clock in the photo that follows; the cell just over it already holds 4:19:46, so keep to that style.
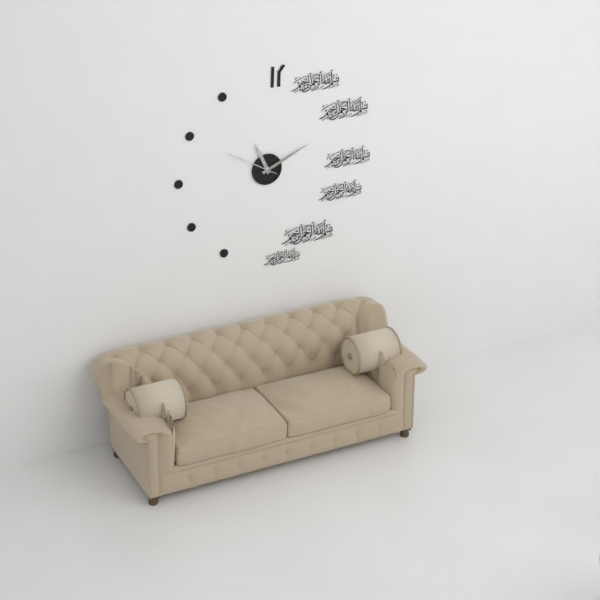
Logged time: 11:11:50
